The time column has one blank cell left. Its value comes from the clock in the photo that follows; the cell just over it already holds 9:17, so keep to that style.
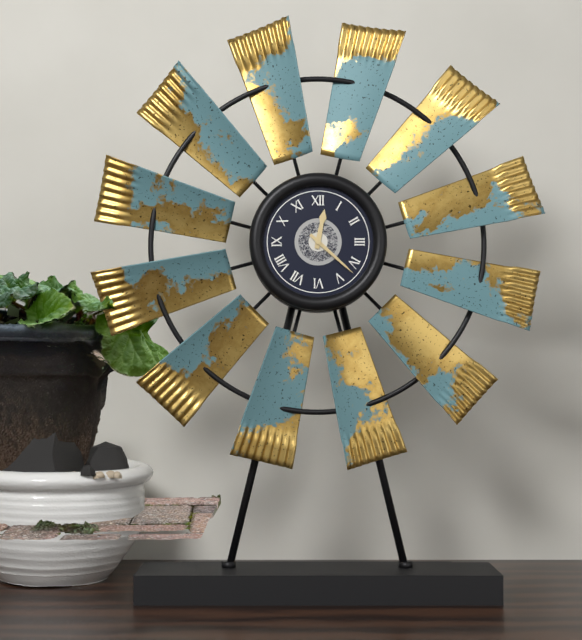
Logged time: 12:22
